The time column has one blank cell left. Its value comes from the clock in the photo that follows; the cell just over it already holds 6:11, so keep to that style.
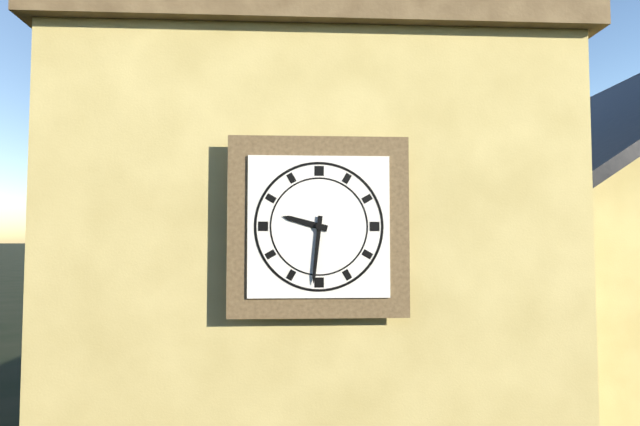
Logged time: 9:31
